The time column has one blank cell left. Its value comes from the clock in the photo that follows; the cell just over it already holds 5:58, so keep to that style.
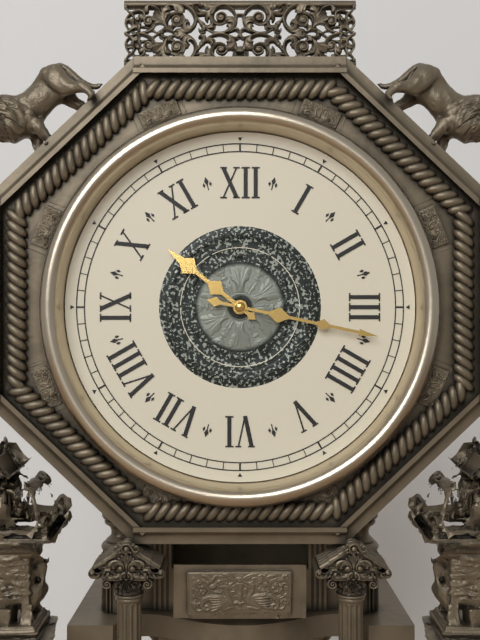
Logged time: 10:17
